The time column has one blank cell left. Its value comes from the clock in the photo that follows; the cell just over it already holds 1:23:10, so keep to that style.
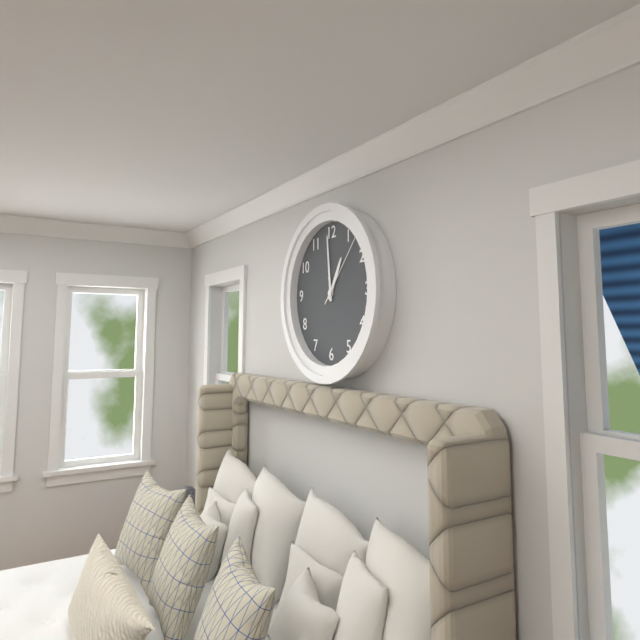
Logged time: 12:59:07
